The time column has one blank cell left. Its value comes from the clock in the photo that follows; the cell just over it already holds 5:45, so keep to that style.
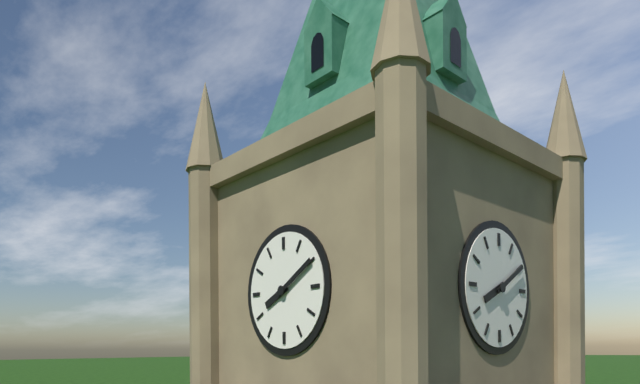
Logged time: 8:10
